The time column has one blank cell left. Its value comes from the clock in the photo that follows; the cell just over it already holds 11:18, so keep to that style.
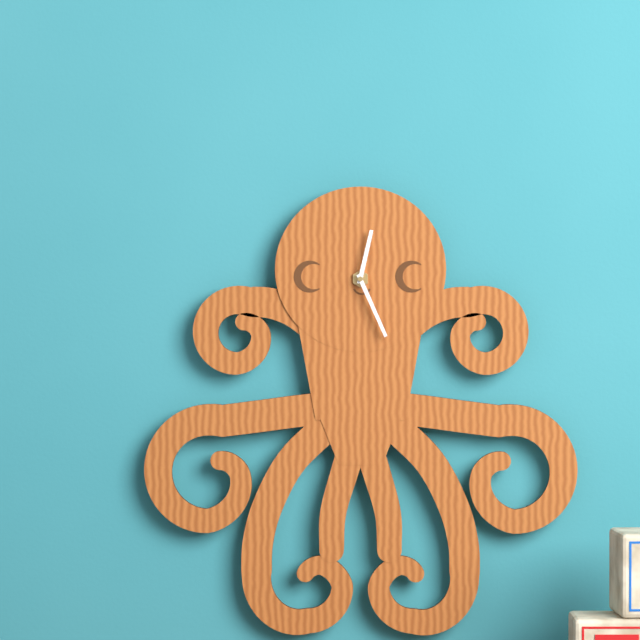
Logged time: 12:26
